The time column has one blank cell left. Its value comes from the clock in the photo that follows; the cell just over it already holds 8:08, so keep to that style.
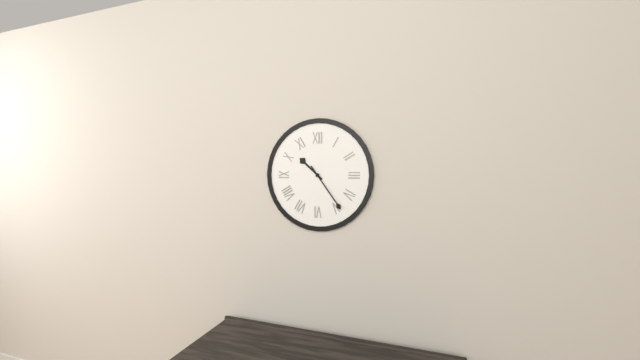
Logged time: 10:24
